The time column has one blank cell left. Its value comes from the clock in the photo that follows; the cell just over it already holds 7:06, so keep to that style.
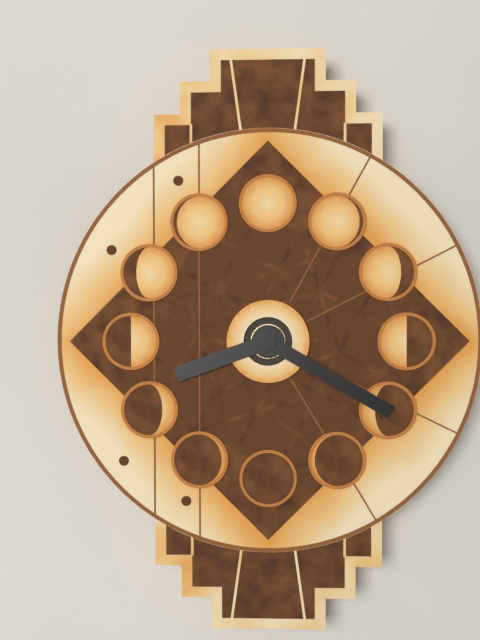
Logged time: 8:20
